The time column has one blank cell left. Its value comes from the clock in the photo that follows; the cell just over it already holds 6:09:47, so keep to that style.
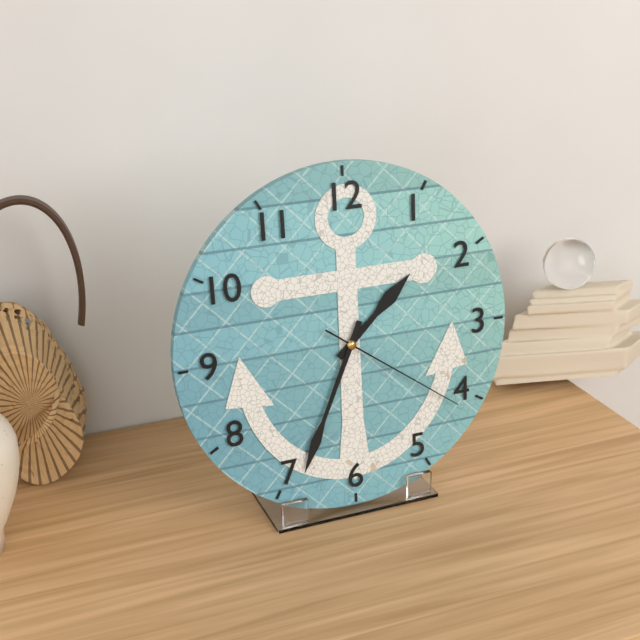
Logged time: 1:34:21
